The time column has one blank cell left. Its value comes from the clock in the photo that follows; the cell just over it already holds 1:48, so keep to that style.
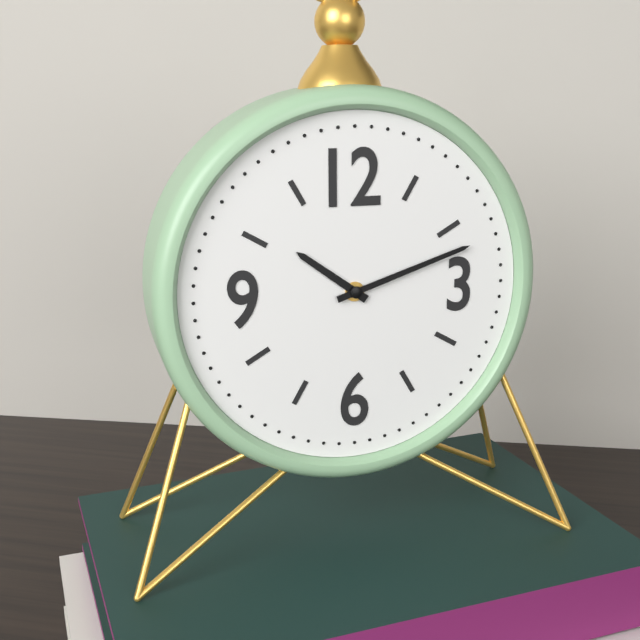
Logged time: 10:12
